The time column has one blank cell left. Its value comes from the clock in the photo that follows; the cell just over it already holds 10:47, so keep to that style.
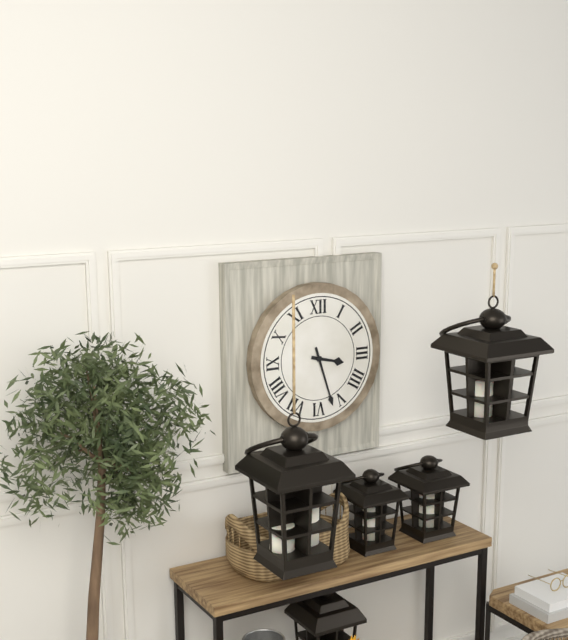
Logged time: 3:27
